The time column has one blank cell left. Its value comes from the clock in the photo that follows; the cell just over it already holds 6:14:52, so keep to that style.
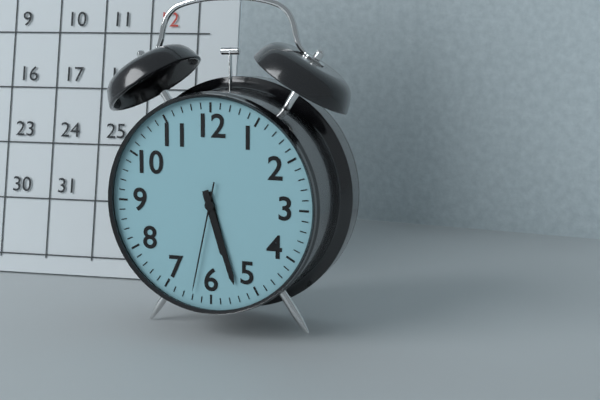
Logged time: 5:27:32
